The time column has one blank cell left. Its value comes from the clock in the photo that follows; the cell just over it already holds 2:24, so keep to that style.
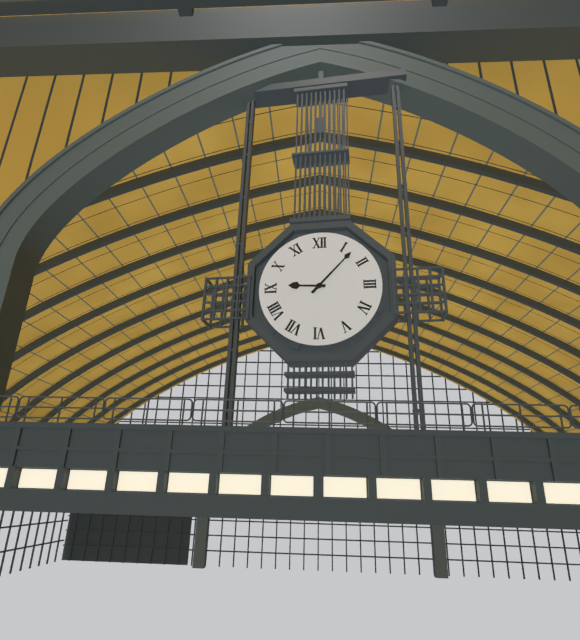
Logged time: 9:07
